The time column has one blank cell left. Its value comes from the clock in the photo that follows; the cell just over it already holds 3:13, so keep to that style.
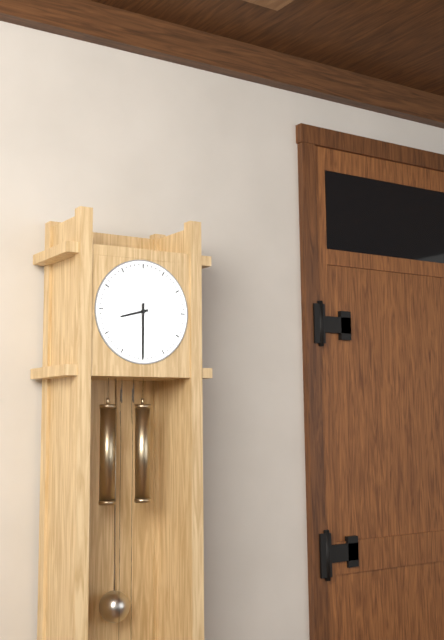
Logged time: 8:30
